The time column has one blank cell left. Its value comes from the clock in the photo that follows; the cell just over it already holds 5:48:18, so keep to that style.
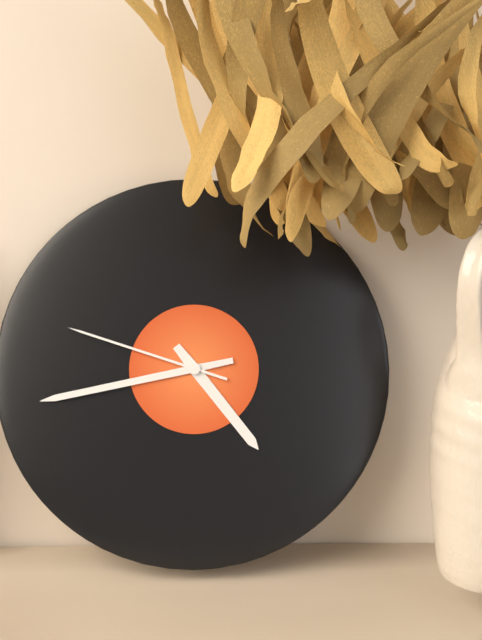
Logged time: 4:43:48
